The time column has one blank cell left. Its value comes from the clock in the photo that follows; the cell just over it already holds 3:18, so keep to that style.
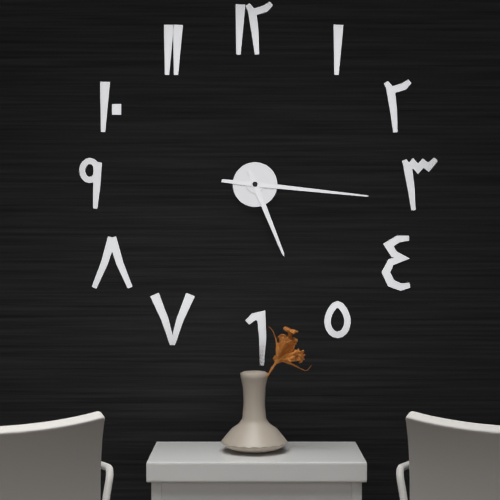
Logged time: 5:16
